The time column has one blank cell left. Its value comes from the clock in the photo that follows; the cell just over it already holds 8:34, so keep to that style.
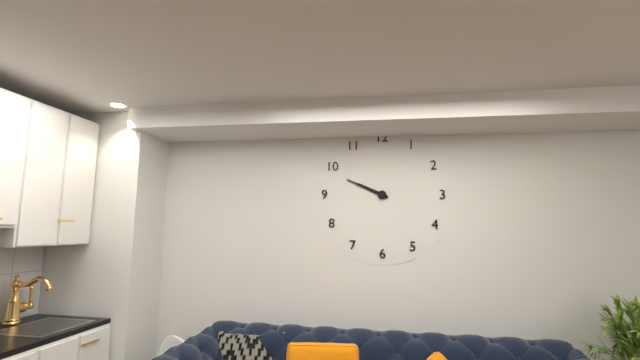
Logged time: 9:49
